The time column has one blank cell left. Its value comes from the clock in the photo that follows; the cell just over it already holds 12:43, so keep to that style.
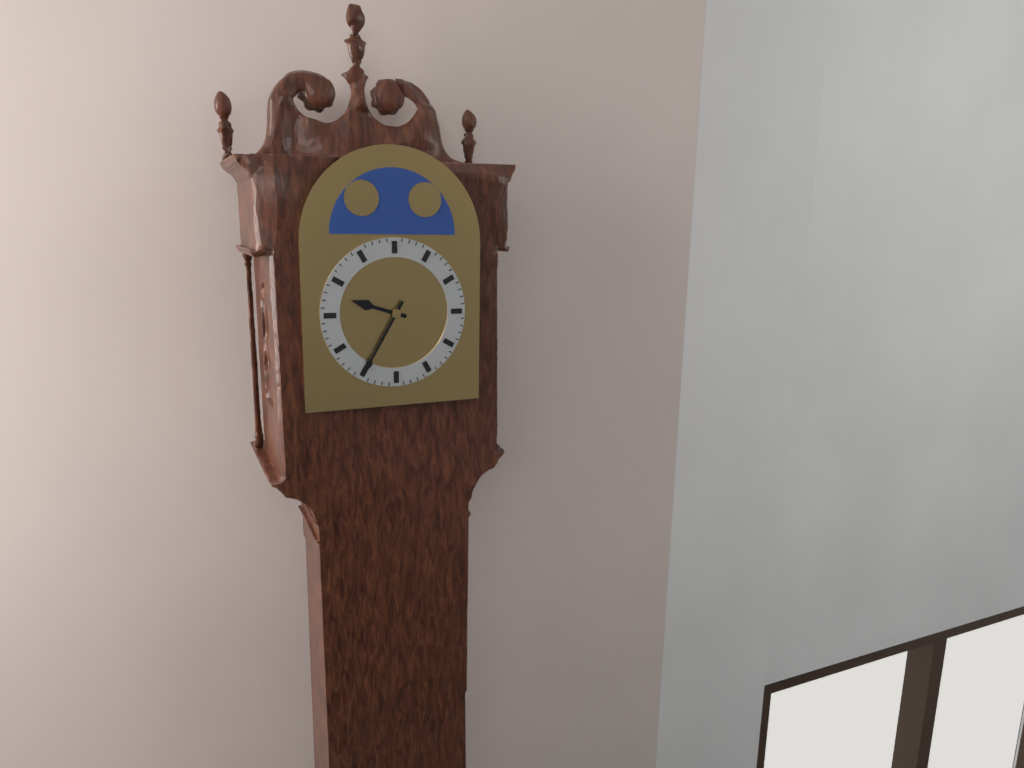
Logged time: 9:35
